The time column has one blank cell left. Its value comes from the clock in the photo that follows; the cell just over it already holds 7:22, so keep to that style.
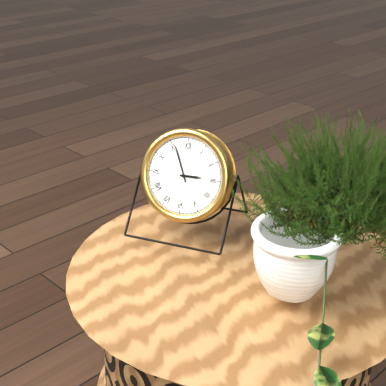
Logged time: 2:56
